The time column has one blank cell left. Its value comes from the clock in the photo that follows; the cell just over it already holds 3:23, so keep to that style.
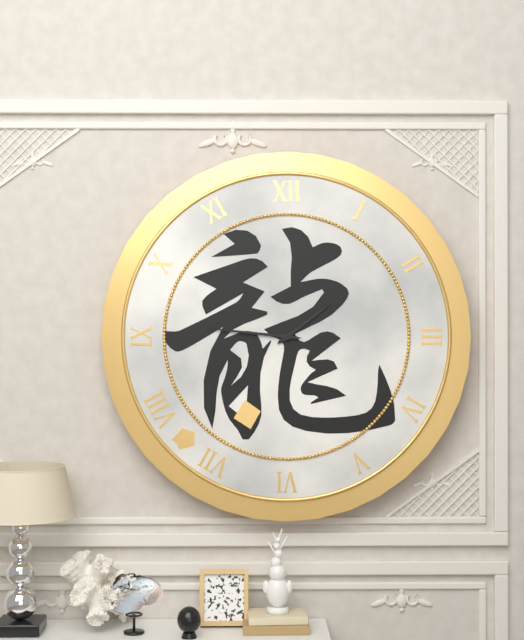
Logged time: 1:46
